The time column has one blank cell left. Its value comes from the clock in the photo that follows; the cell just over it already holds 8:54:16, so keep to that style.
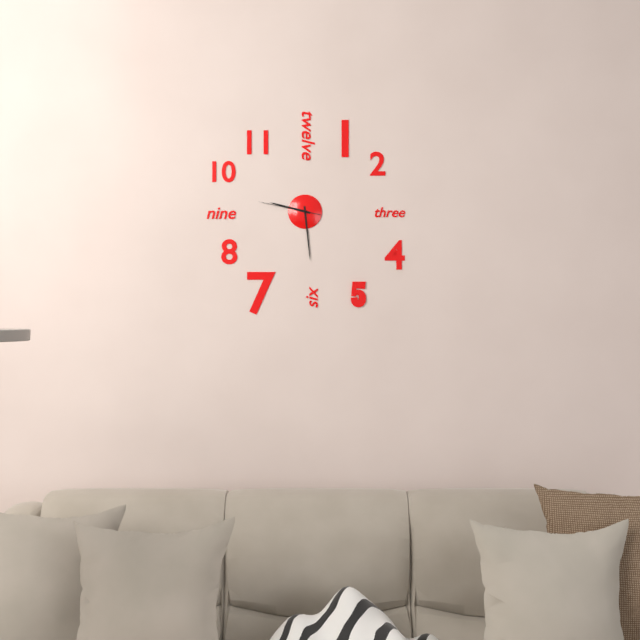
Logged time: 9:29:47
